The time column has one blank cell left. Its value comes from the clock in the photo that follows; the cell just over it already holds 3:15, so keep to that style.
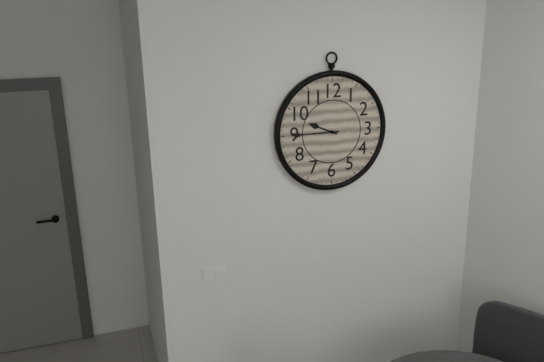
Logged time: 9:45
